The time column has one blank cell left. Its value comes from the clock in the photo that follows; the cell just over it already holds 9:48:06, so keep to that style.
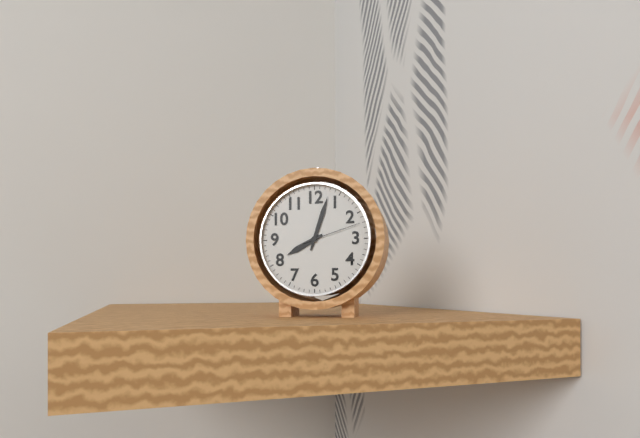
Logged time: 8:03:12
